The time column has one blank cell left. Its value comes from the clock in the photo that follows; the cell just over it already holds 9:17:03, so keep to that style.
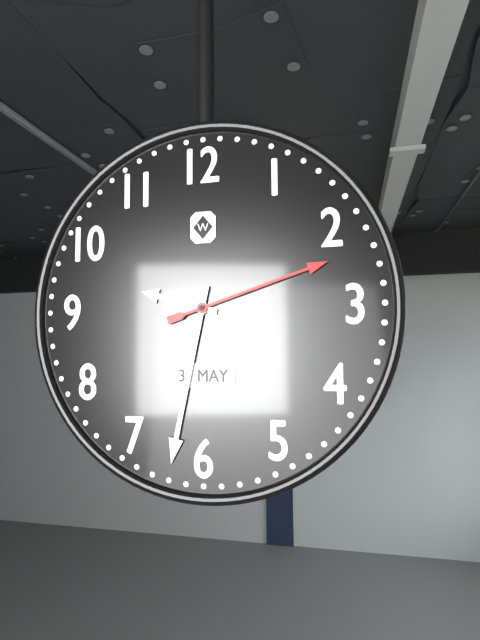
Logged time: 9:32:12
